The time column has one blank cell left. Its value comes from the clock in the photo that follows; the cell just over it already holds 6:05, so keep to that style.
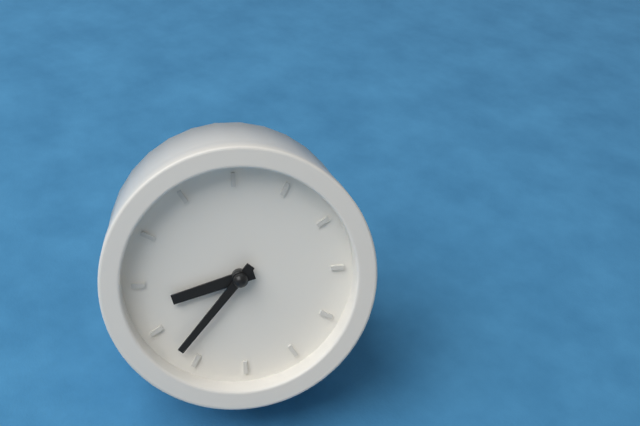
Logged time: 7:32
